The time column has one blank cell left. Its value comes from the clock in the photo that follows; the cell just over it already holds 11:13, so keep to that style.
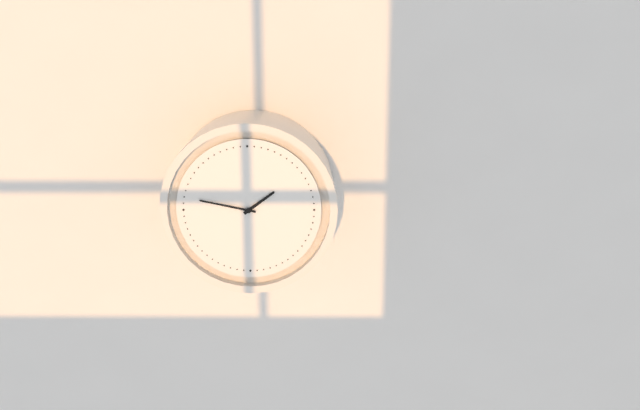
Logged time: 1:47
